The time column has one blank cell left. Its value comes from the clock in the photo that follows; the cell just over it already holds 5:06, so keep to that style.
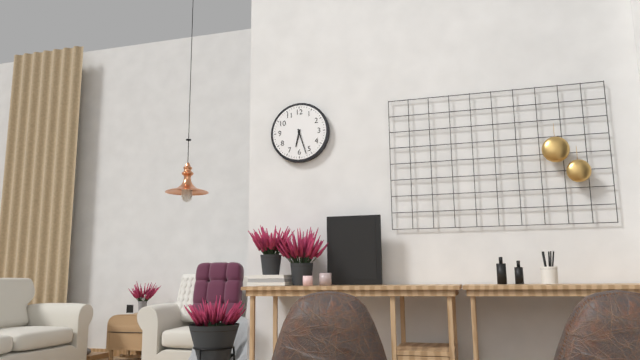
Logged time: 6:27
